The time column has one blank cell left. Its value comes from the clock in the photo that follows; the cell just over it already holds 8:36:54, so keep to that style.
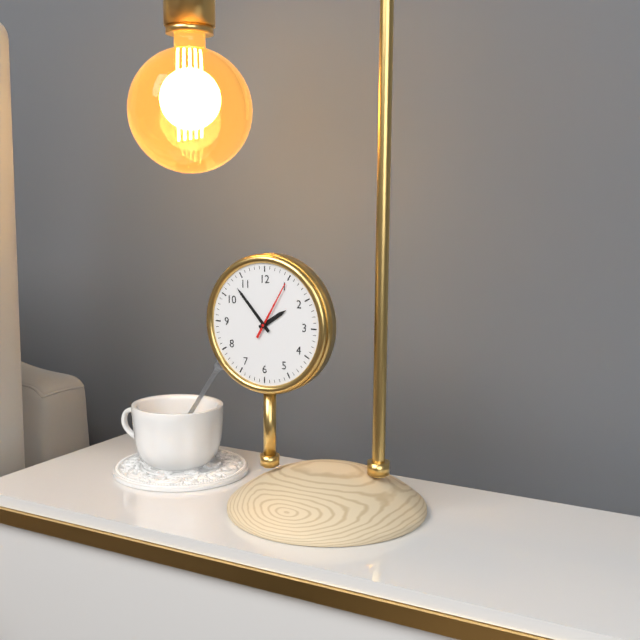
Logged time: 1:53:05
